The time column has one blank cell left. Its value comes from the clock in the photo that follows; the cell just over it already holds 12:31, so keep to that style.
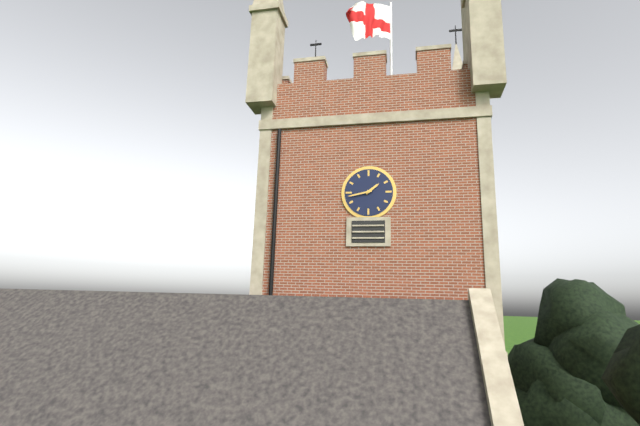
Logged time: 1:43
